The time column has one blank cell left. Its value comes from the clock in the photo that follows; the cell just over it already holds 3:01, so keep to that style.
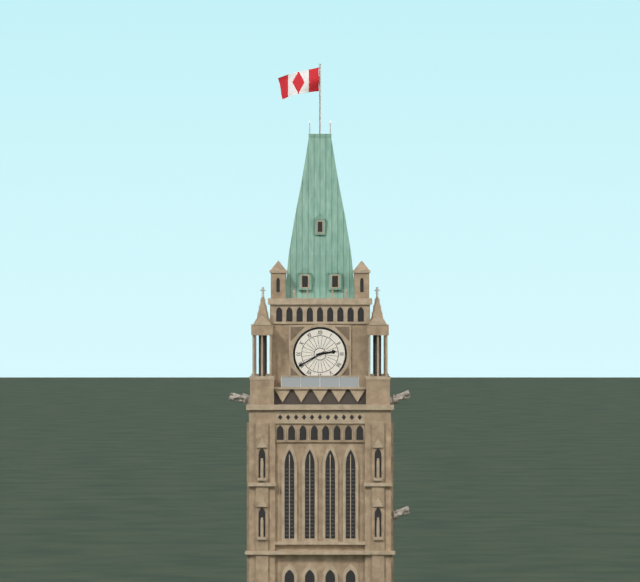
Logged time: 2:40
